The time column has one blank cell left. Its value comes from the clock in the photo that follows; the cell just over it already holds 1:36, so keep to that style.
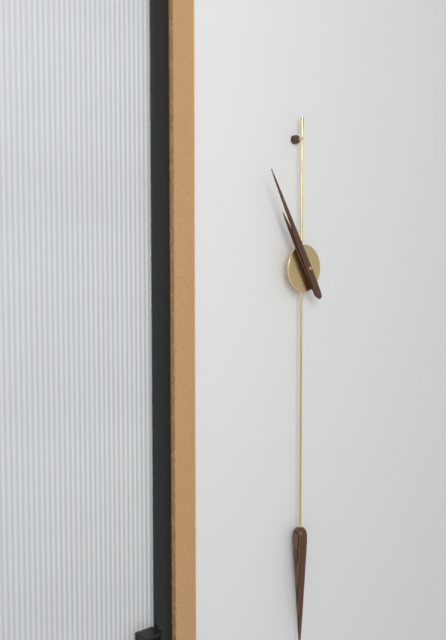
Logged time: 10:55
